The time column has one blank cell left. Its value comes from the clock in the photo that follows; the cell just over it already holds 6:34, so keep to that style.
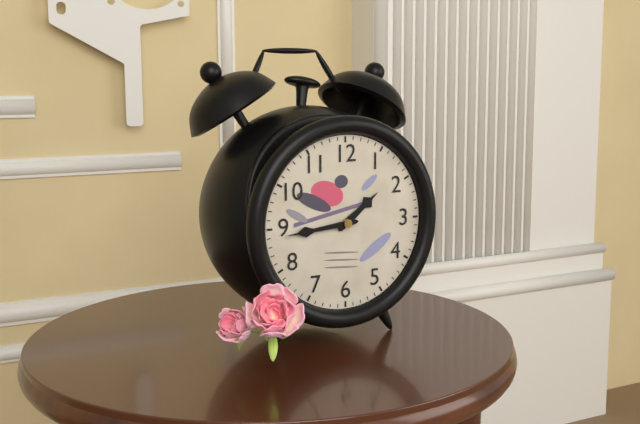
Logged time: 1:44
